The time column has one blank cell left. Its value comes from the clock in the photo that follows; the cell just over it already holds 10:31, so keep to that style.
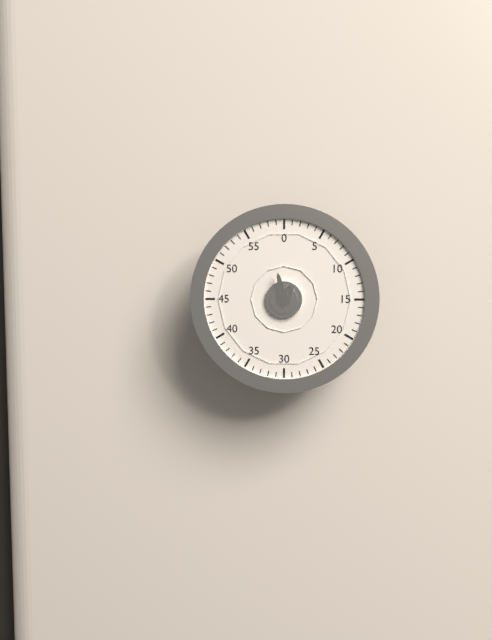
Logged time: 12:58
